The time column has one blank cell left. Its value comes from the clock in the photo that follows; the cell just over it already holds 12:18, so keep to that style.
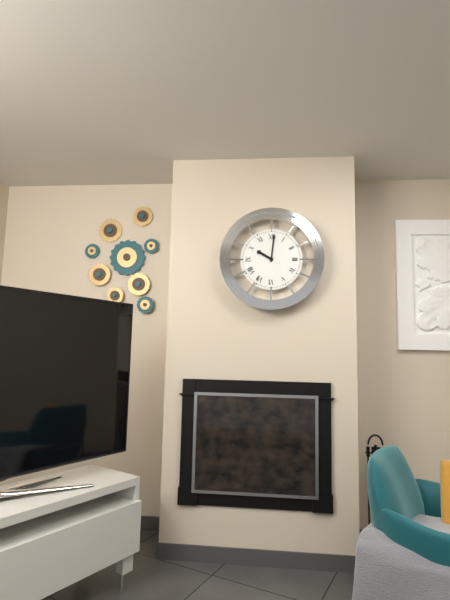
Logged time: 10:01
